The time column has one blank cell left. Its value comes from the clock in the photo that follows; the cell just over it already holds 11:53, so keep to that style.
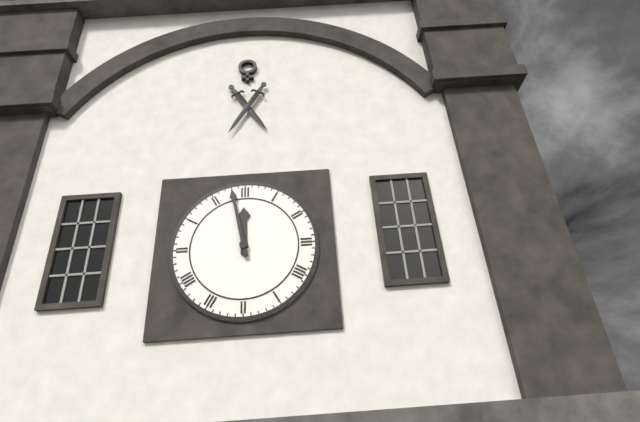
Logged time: 11:58
